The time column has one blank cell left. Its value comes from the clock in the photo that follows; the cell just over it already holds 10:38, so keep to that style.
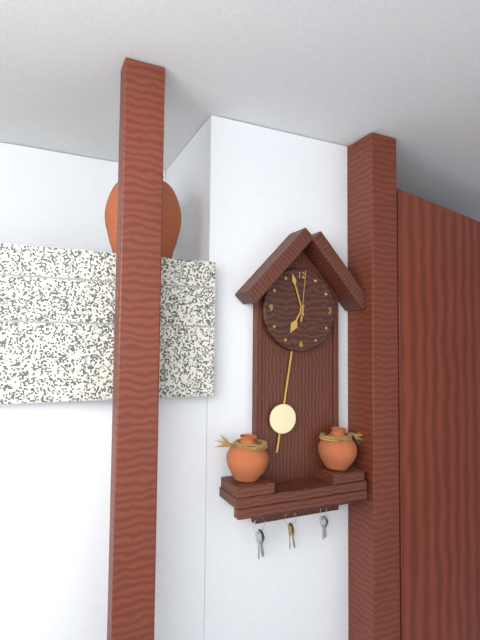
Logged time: 6:57
